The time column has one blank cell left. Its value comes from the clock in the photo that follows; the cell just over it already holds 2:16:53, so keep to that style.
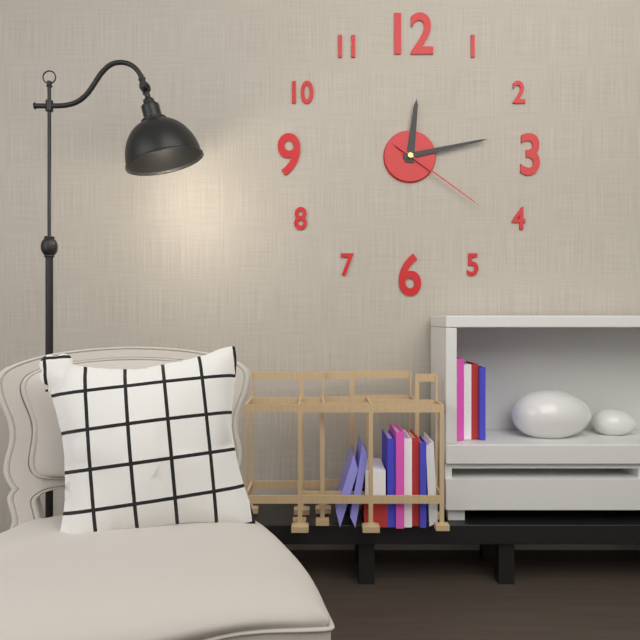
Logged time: 12:13:21
